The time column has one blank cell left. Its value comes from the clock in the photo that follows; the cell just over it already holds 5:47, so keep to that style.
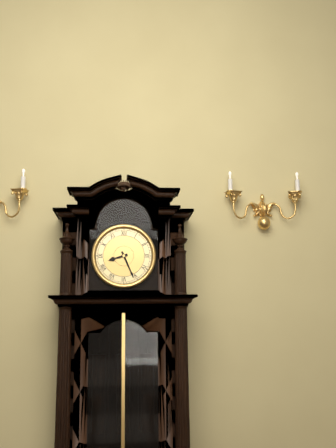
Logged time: 8:26
